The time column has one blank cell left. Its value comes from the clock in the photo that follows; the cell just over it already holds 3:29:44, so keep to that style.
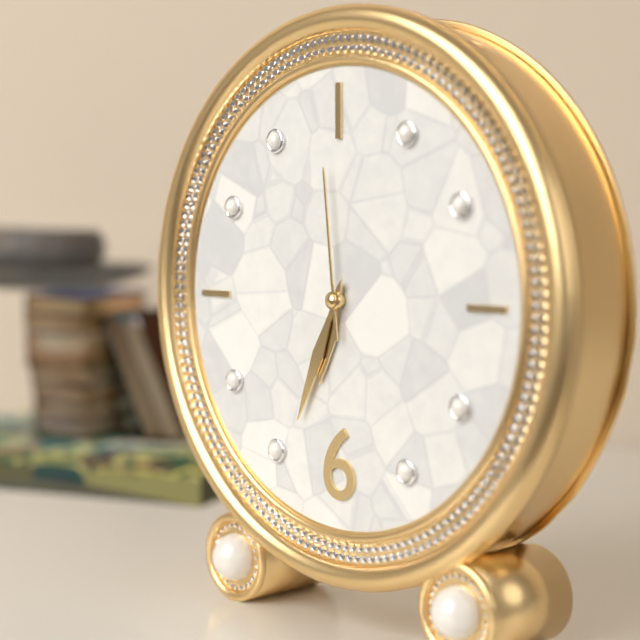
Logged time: 6:34:59
